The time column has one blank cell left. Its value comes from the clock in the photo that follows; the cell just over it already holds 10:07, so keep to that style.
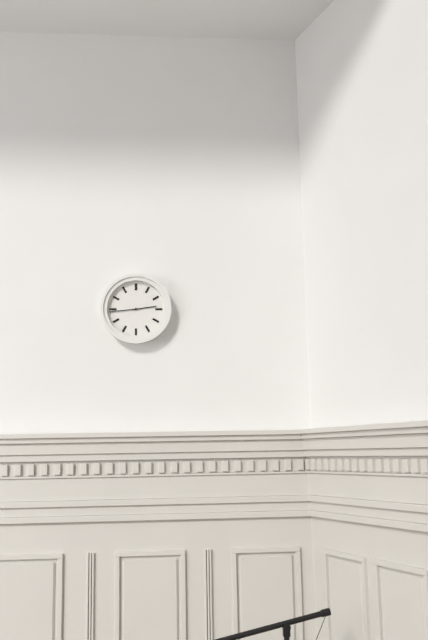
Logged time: 2:44
